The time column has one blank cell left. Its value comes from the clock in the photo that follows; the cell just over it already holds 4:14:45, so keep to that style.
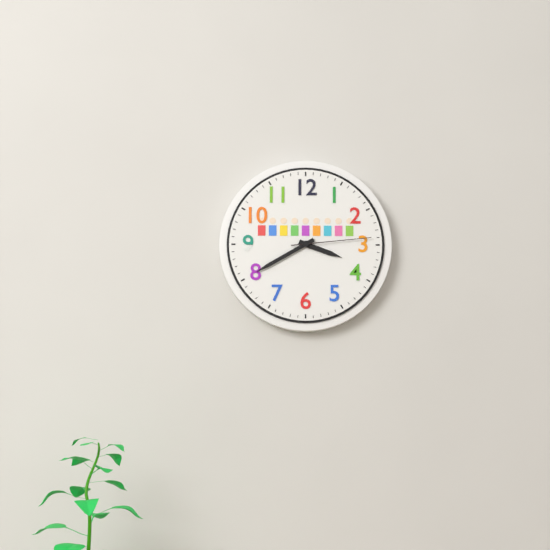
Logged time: 3:40:14
